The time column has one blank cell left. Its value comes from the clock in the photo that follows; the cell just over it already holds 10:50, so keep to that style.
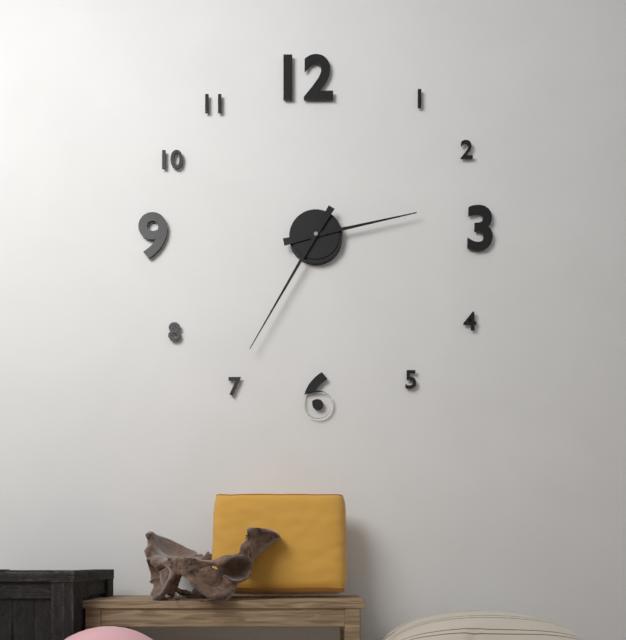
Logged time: 2:35
